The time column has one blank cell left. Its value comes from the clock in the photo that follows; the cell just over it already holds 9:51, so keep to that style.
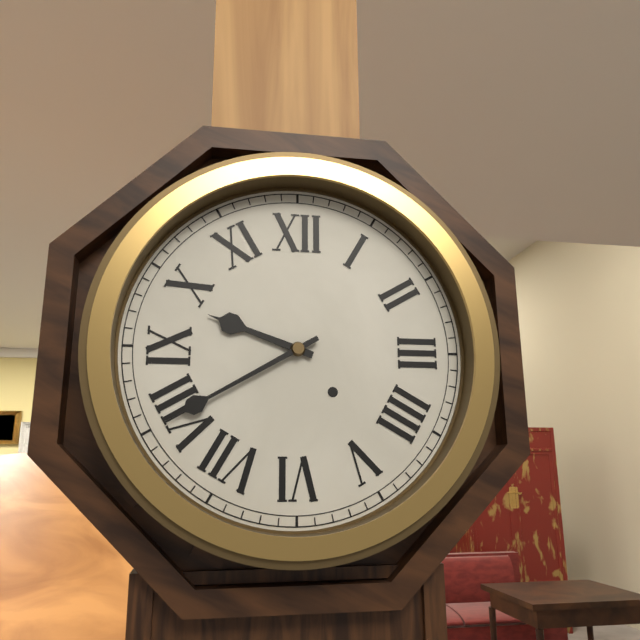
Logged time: 9:40
